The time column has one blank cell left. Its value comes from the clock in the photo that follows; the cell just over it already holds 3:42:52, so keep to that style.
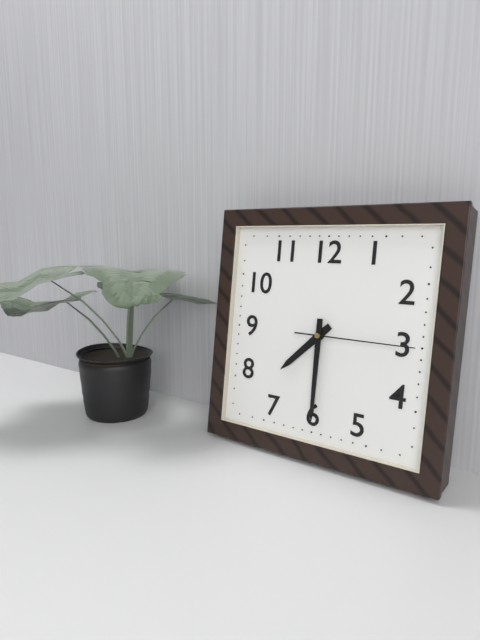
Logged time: 7:30:15
